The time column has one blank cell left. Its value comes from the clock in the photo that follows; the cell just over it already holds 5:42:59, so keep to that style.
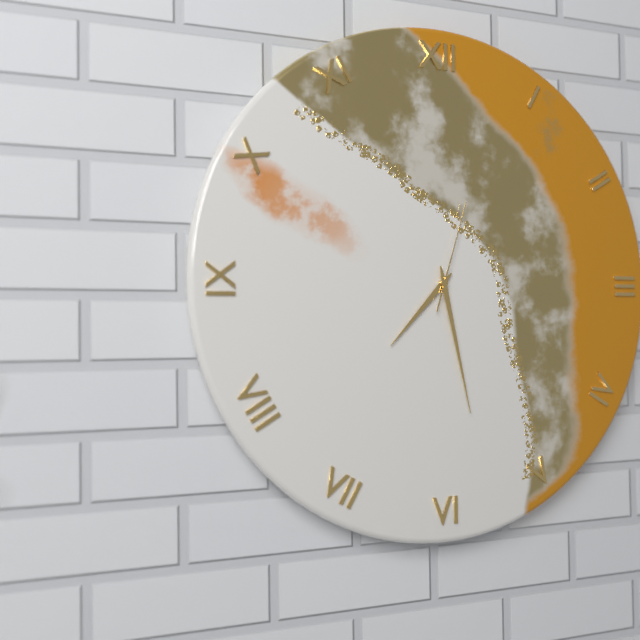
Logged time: 7:28:03
